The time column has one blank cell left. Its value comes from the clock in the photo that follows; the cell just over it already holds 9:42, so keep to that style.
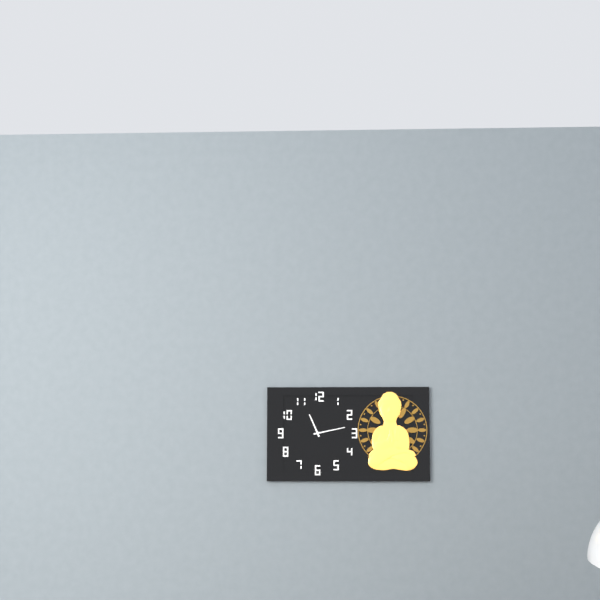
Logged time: 11:13
